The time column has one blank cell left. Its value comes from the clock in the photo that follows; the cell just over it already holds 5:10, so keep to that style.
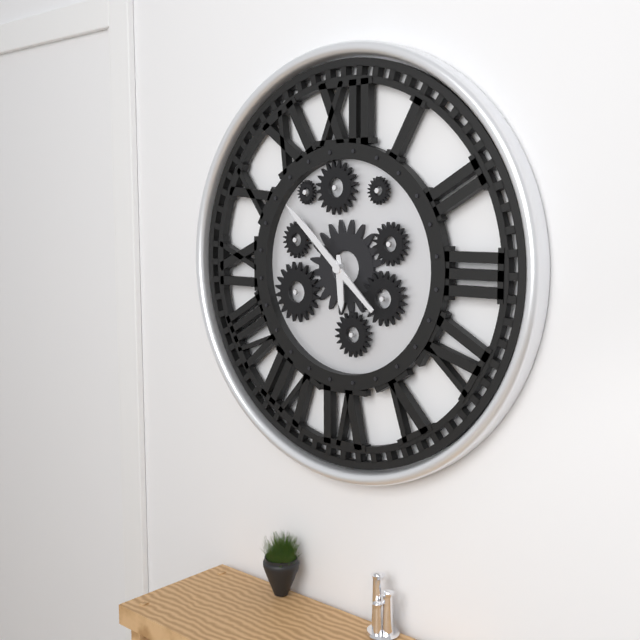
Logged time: 5:52
